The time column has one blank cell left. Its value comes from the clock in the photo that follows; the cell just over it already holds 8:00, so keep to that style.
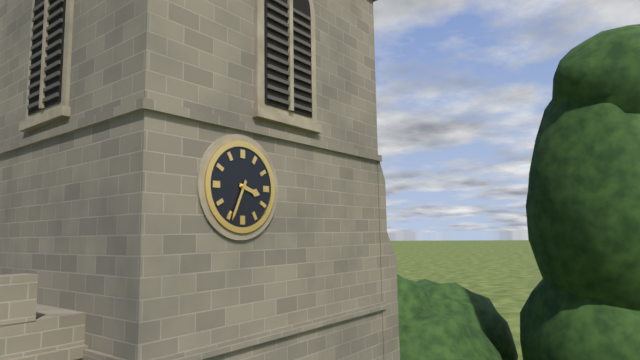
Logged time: 3:34
